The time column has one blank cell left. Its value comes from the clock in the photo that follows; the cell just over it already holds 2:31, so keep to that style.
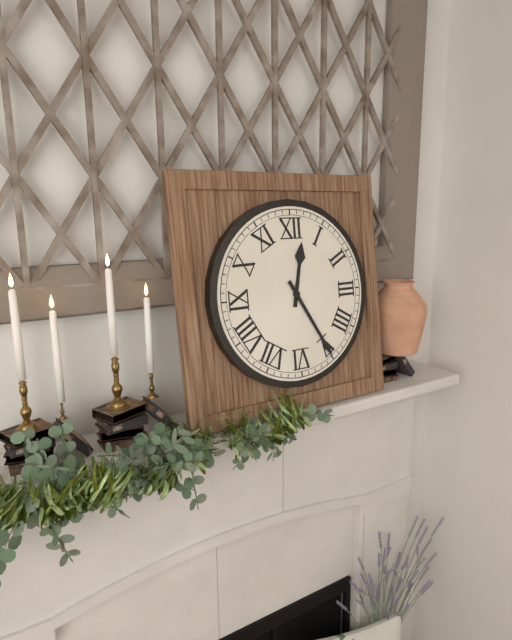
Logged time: 12:25
